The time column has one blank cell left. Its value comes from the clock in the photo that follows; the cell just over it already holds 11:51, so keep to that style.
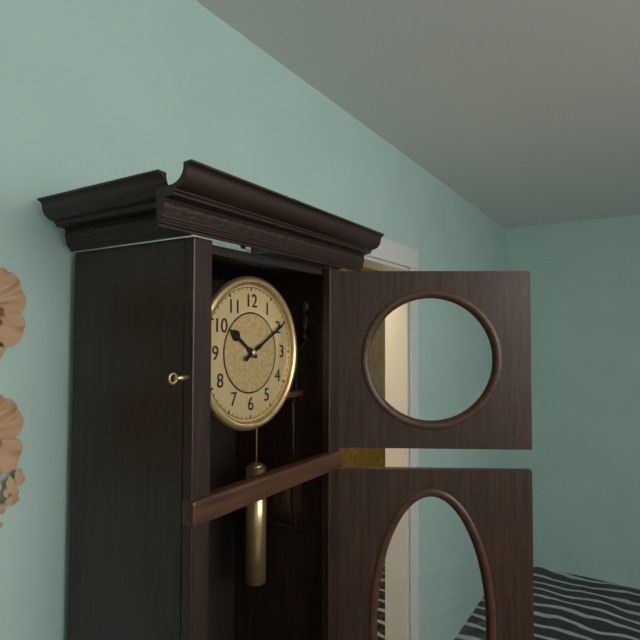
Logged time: 10:10
